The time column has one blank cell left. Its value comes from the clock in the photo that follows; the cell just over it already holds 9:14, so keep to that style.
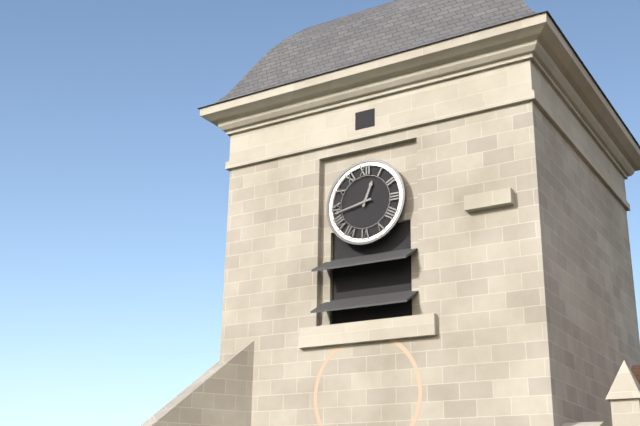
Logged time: 12:43
